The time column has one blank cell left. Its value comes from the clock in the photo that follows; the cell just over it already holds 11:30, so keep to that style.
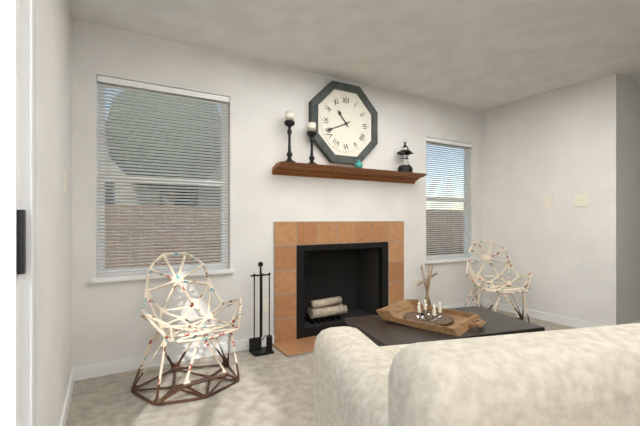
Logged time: 10:41
